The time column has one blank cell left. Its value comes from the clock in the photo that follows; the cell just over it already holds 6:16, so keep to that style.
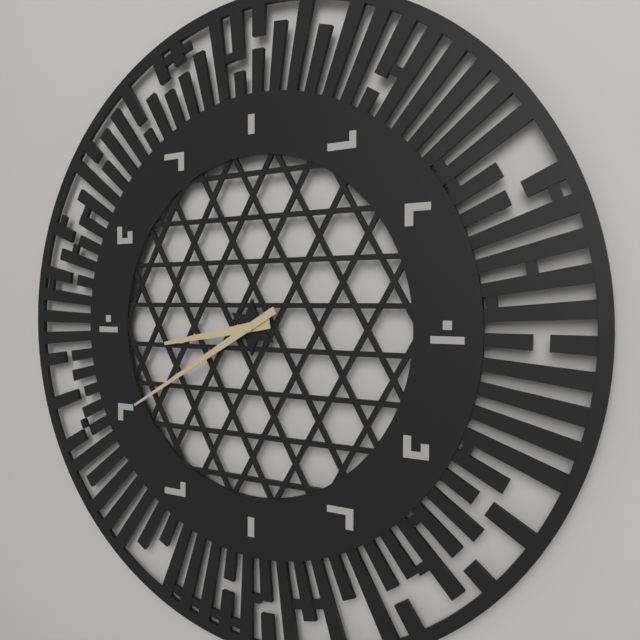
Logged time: 8:40
